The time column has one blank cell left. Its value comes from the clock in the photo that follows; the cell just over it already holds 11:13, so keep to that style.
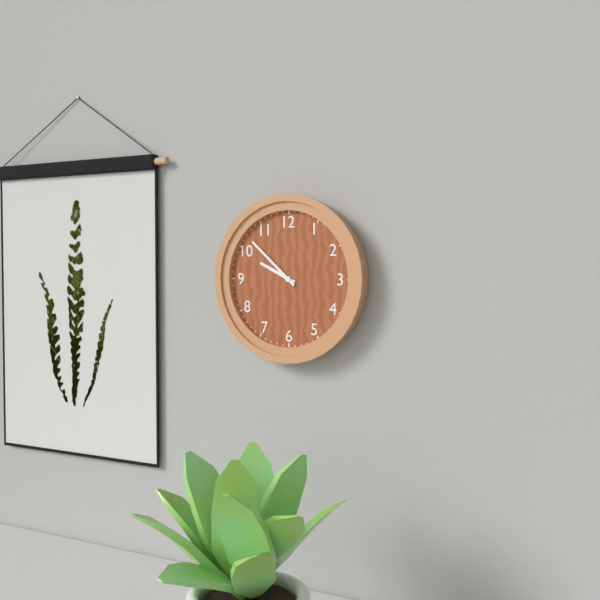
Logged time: 9:52
